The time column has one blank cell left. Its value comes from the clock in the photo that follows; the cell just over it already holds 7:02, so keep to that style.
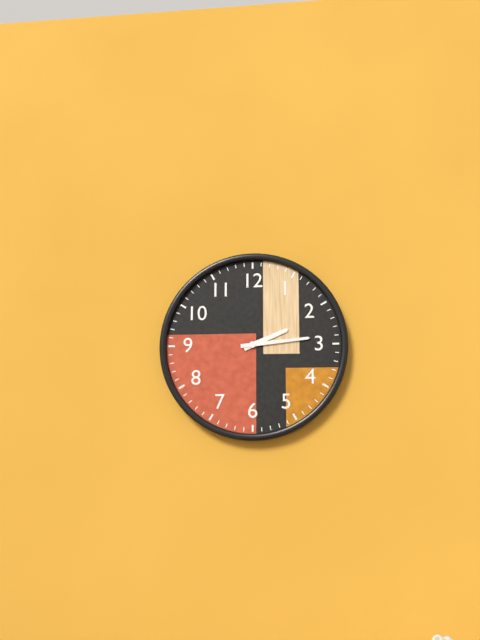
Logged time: 2:14
